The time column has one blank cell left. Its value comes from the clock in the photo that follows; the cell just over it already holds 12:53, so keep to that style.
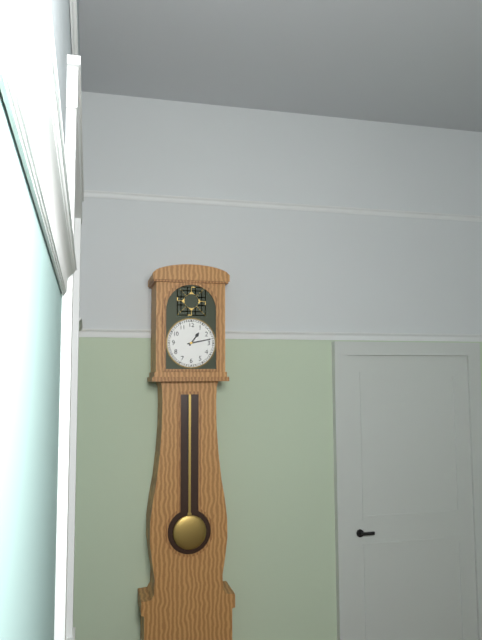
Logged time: 1:13
